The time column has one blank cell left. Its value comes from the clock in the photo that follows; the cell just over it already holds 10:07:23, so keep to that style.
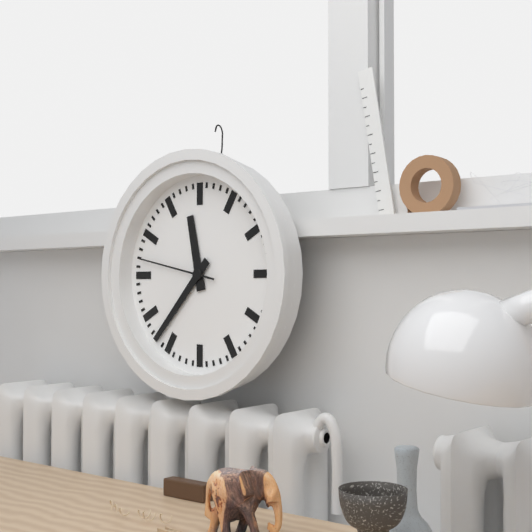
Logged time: 11:37:47
